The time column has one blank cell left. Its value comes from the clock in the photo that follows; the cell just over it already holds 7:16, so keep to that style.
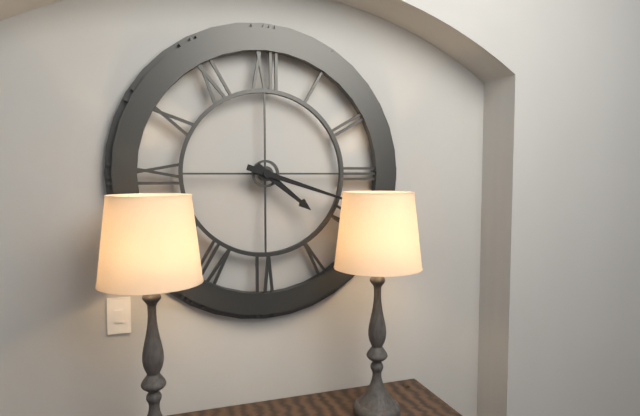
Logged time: 4:18
